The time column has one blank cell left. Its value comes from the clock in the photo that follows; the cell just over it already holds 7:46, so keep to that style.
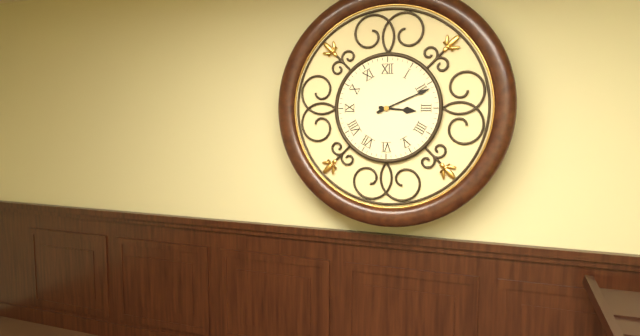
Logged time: 3:11
